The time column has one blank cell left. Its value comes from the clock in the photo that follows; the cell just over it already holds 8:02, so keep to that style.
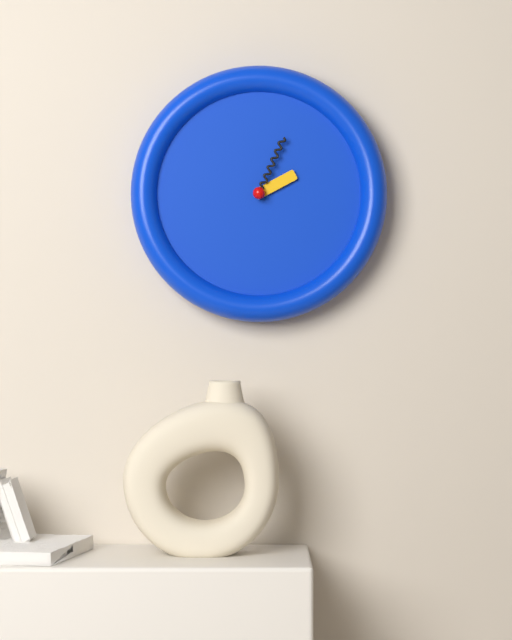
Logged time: 2:04
